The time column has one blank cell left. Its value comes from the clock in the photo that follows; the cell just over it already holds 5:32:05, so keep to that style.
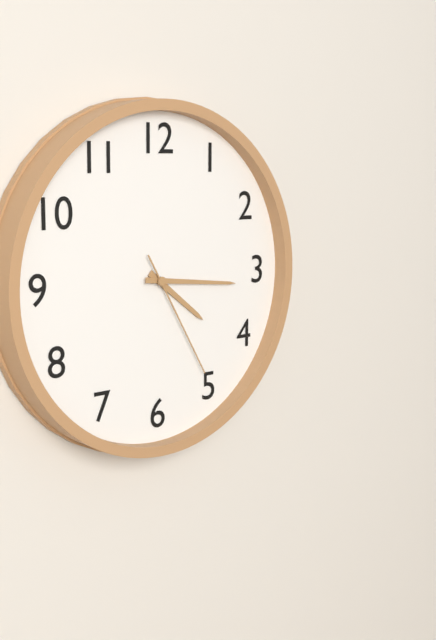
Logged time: 4:16:25
